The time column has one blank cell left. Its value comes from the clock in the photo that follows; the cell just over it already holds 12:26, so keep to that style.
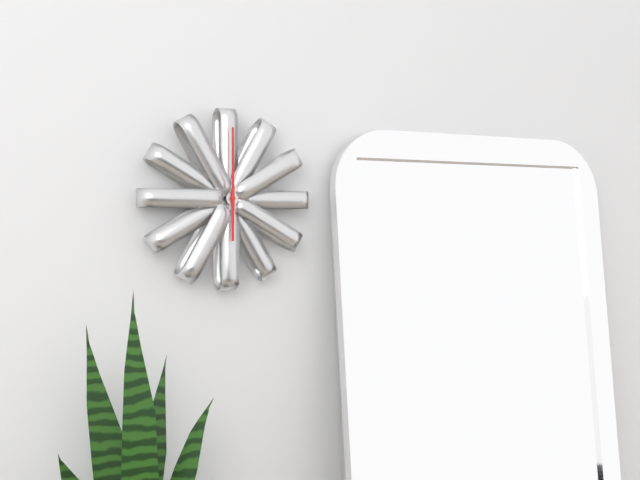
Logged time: 6:00
